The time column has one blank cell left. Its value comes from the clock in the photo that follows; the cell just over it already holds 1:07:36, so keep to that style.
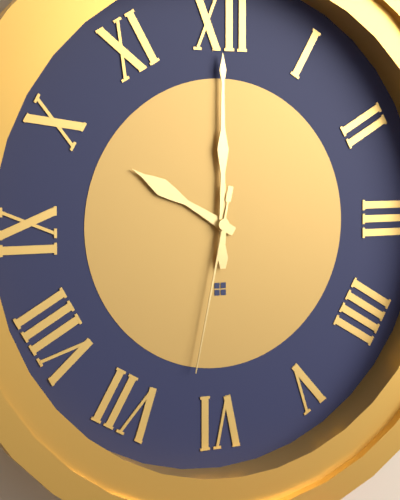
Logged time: 10:00:32
